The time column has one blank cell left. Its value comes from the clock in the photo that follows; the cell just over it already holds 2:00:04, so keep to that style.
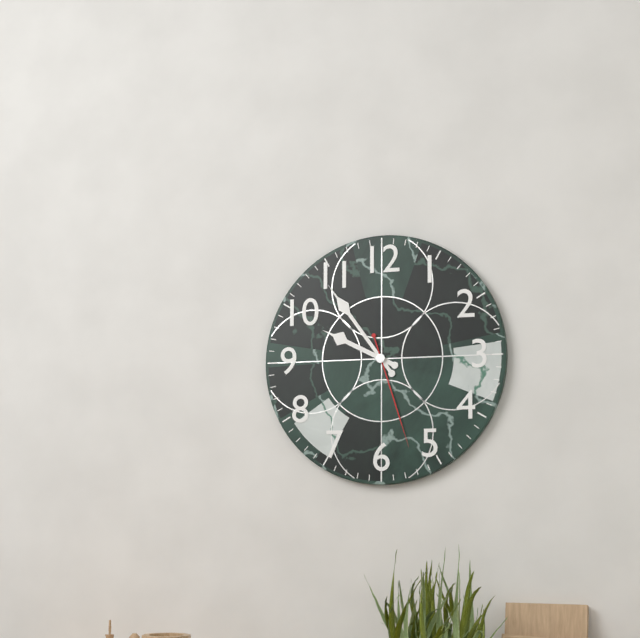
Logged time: 9:54:27
